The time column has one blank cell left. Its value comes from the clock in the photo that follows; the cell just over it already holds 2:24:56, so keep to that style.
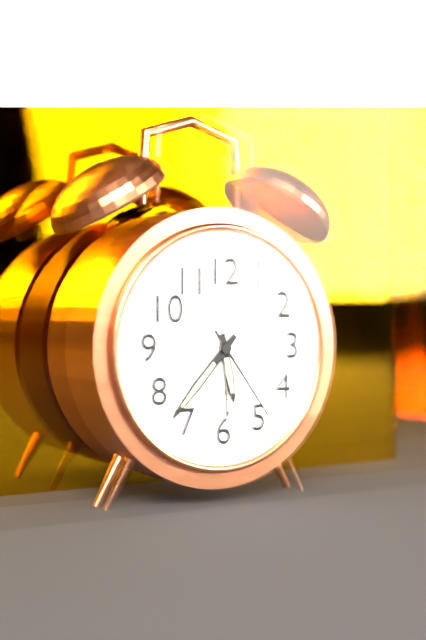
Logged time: 5:37:24
